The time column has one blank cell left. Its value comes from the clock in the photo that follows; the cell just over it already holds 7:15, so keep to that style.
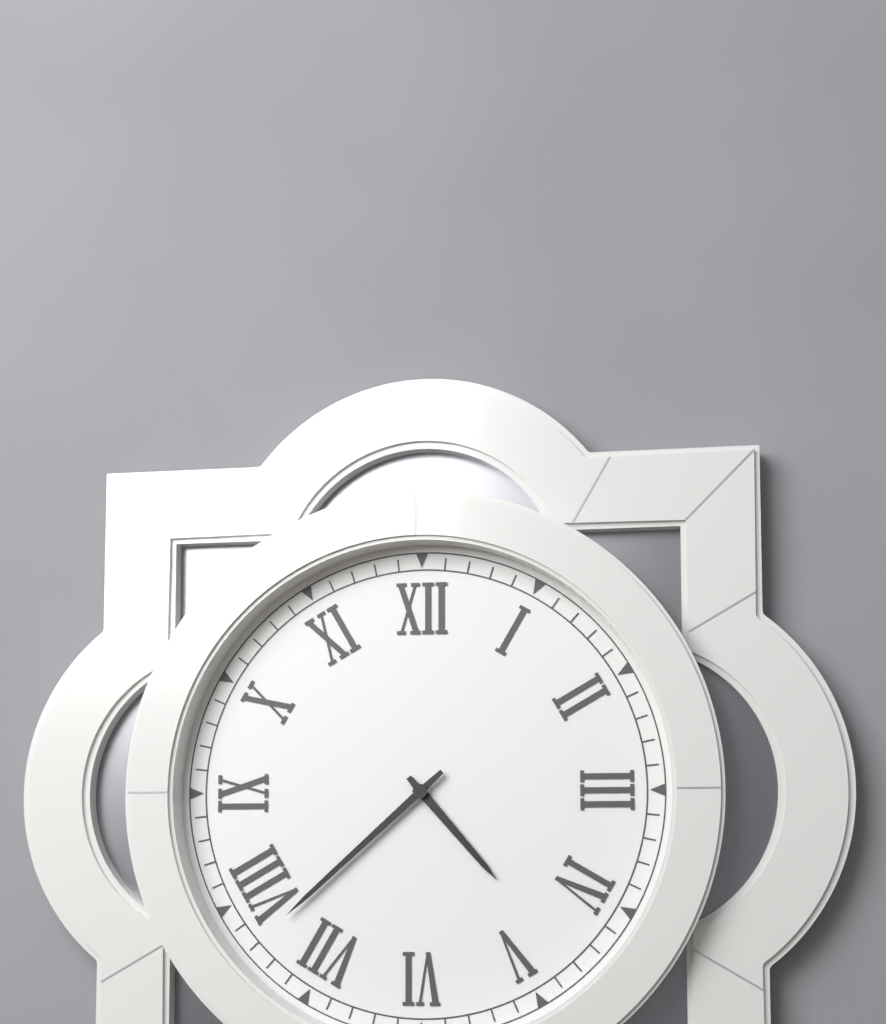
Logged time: 4:38
